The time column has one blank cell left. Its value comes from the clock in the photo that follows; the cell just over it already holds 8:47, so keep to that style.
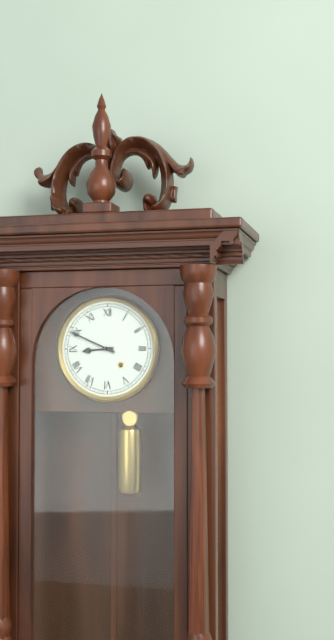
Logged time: 8:49
